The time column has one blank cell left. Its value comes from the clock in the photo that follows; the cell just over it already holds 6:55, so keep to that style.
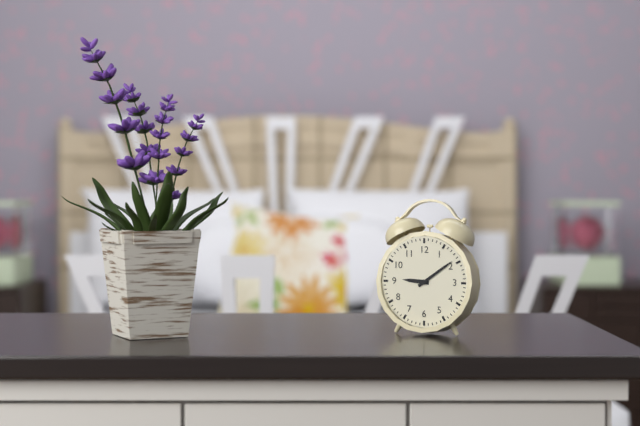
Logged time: 9:09
